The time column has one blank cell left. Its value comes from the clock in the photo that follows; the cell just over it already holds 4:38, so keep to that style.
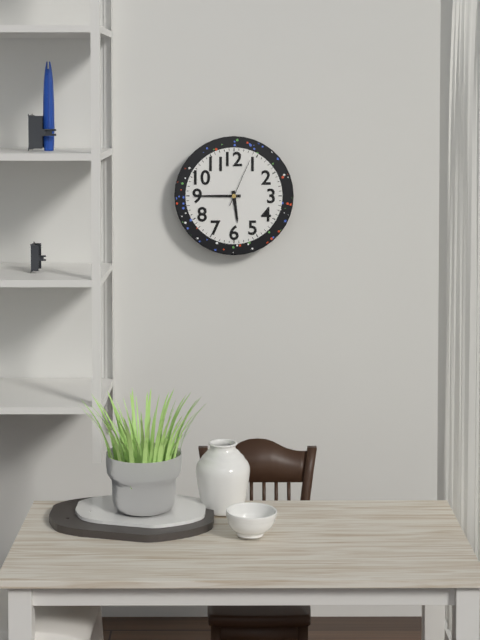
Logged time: 5:45
